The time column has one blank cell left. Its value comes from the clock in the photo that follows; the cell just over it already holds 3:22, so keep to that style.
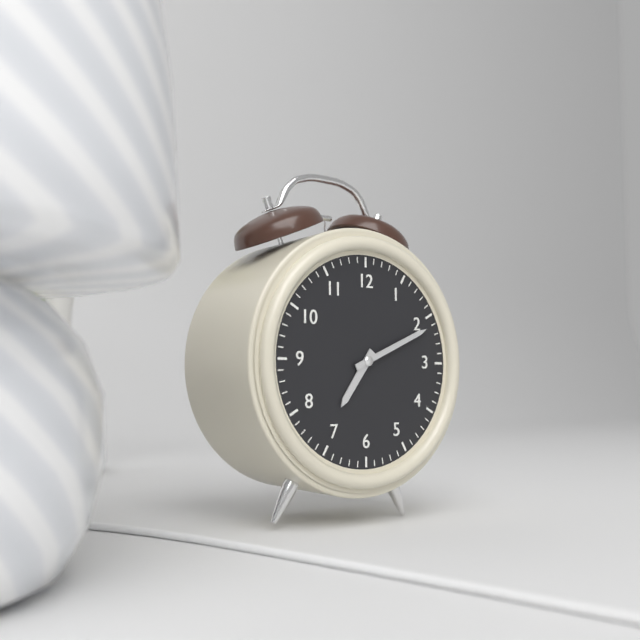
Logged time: 7:11
